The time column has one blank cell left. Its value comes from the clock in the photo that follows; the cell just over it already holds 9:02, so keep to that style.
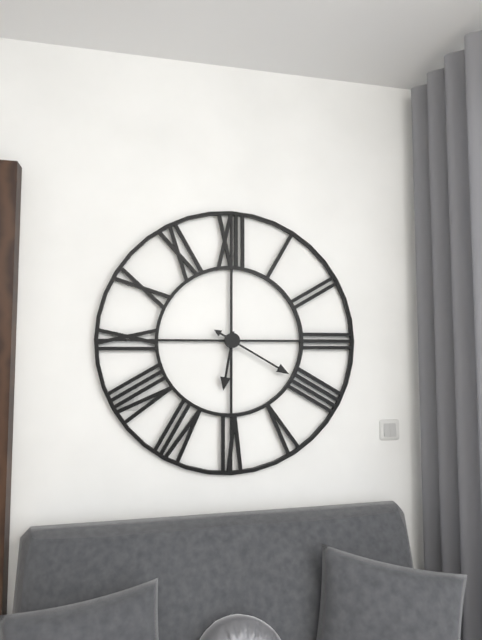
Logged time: 6:20
